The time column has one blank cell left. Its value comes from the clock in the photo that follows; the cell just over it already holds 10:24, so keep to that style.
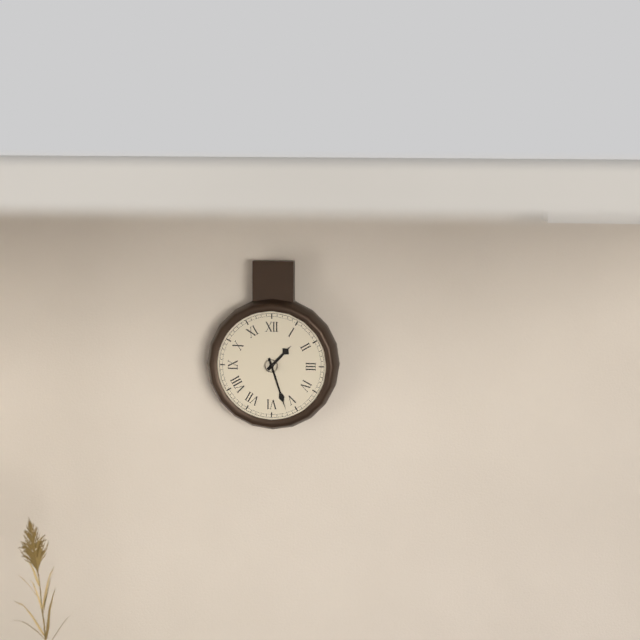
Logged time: 1:27
